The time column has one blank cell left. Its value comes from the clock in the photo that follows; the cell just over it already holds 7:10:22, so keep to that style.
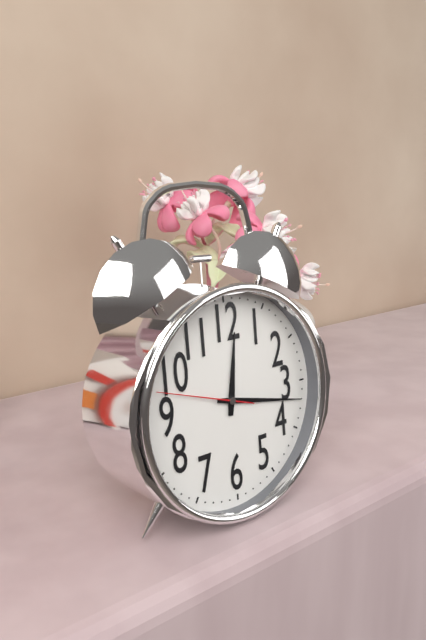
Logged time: 12:17:48
